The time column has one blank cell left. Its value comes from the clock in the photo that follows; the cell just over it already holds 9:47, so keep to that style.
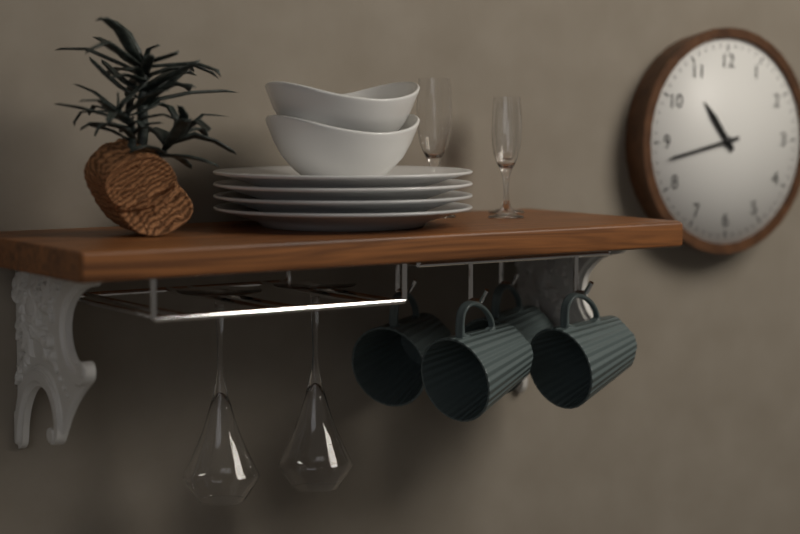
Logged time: 10:43
